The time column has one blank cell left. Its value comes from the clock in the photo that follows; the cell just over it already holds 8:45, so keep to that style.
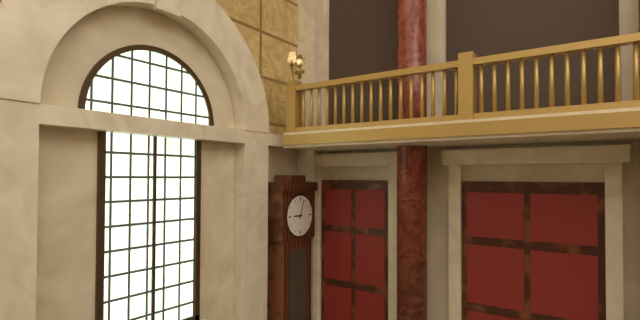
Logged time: 9:03
